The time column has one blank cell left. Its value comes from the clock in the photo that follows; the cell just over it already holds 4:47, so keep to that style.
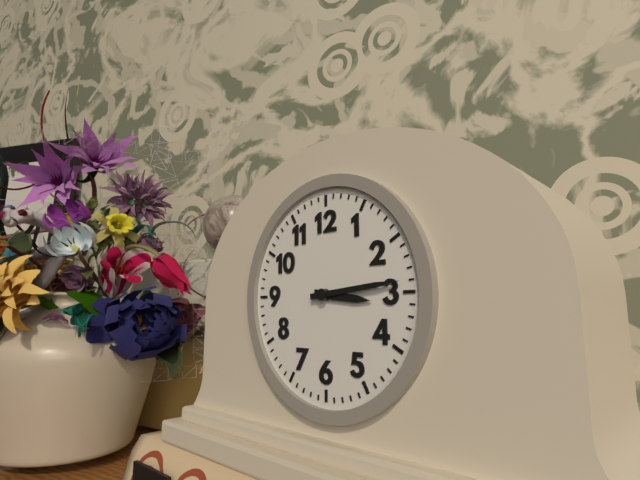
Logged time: 3:14
